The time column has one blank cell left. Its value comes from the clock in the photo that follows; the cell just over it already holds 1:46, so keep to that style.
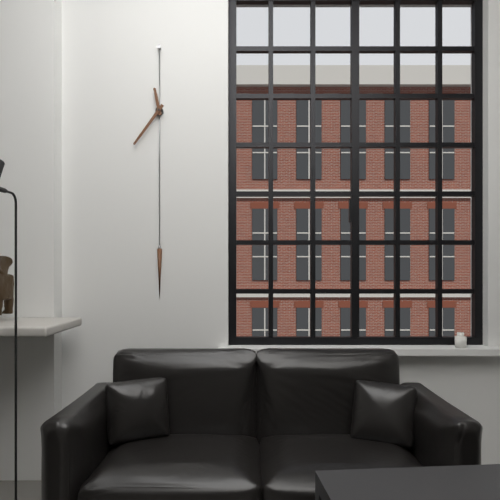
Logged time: 11:36
